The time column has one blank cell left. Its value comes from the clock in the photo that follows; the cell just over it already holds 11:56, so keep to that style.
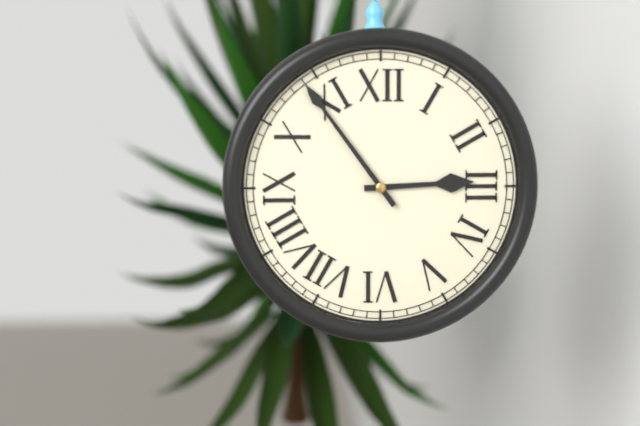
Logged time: 2:54
